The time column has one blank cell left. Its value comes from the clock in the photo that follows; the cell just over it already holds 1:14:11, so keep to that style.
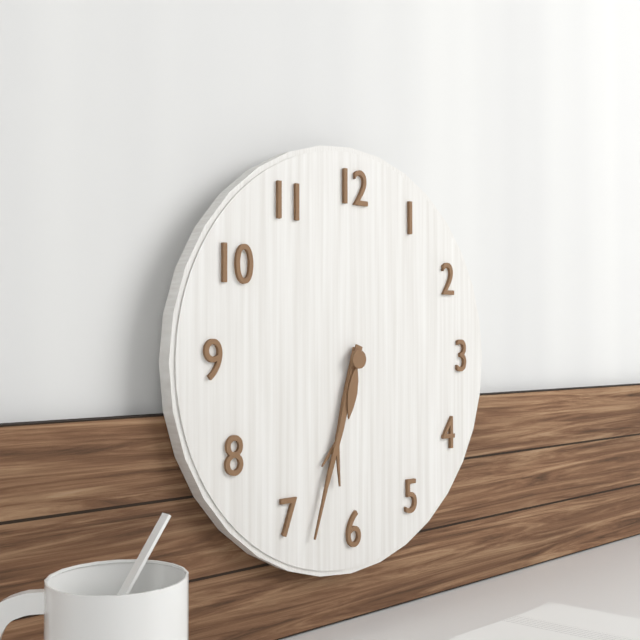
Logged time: 6:33:32
